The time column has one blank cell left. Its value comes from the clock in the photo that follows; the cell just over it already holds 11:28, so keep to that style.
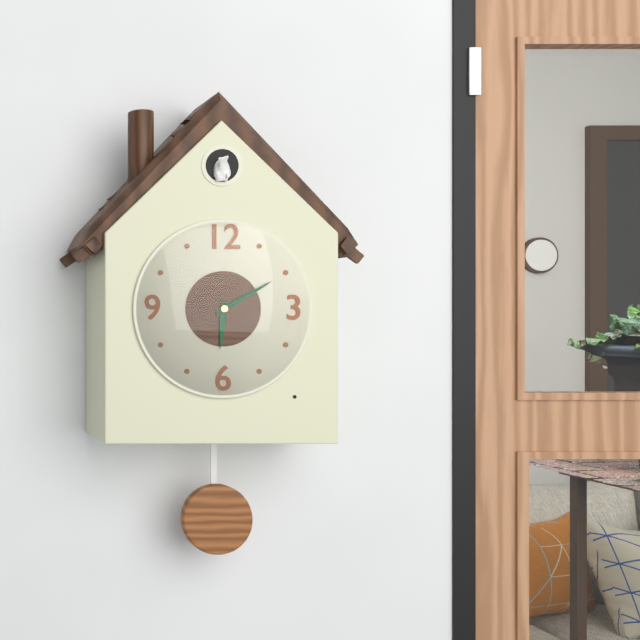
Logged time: 6:10
